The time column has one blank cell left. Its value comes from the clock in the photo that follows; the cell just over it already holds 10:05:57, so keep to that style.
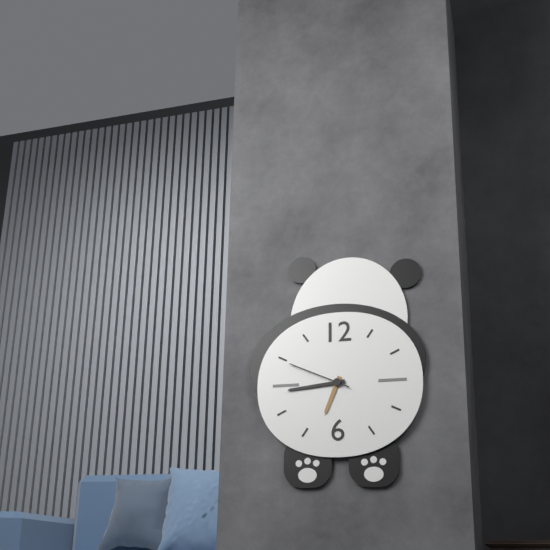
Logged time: 6:44:49
